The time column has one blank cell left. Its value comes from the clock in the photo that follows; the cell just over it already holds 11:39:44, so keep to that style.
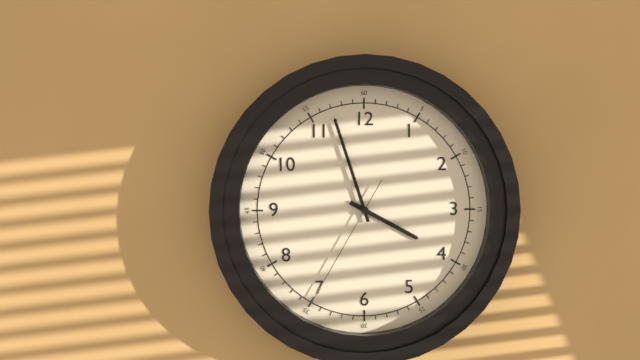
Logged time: 3:57:35
